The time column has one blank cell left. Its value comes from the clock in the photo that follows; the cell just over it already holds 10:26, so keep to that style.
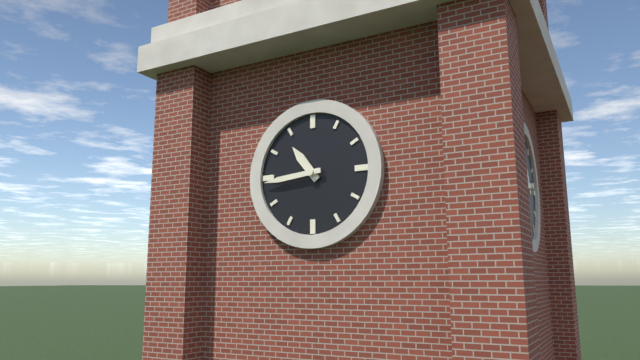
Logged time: 10:44
